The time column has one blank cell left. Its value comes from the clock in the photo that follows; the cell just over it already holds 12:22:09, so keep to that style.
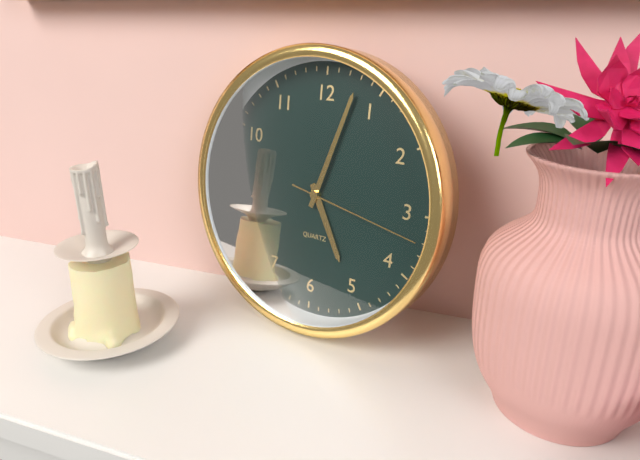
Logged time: 5:03:17
